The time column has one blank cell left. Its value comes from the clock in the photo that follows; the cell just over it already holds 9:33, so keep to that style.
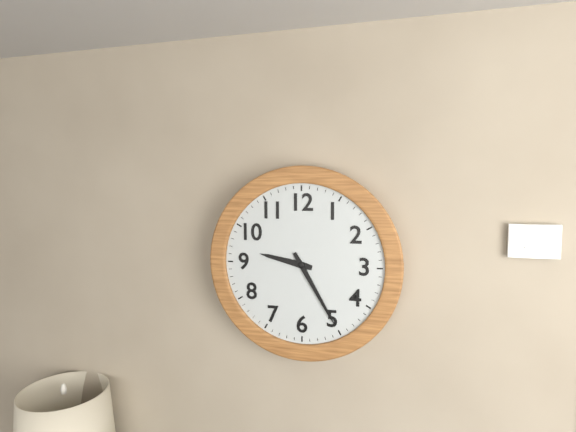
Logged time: 9:25
